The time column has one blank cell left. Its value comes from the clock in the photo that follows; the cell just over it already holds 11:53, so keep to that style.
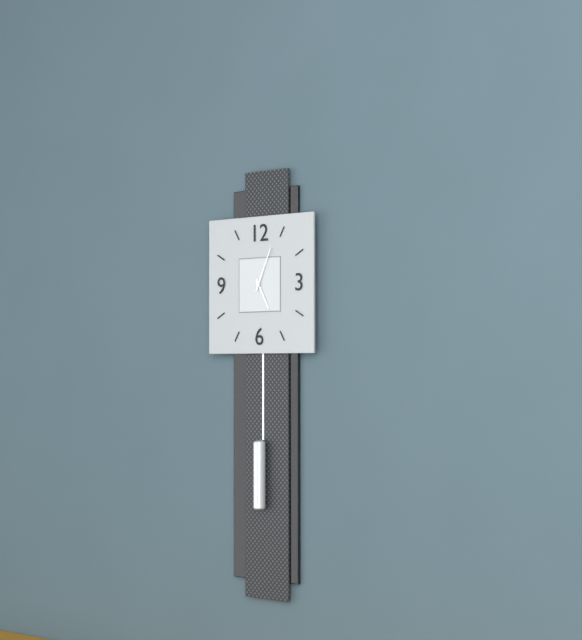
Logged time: 5:04
